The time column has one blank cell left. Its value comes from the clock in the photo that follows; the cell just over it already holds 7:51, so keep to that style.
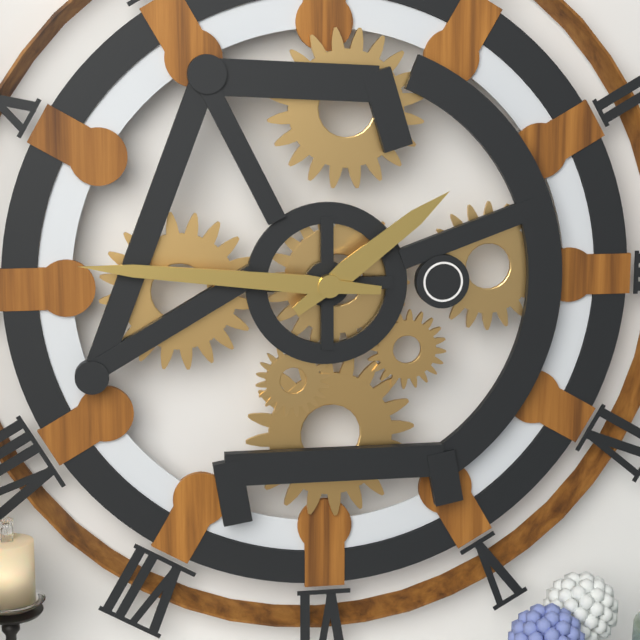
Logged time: 1:46
